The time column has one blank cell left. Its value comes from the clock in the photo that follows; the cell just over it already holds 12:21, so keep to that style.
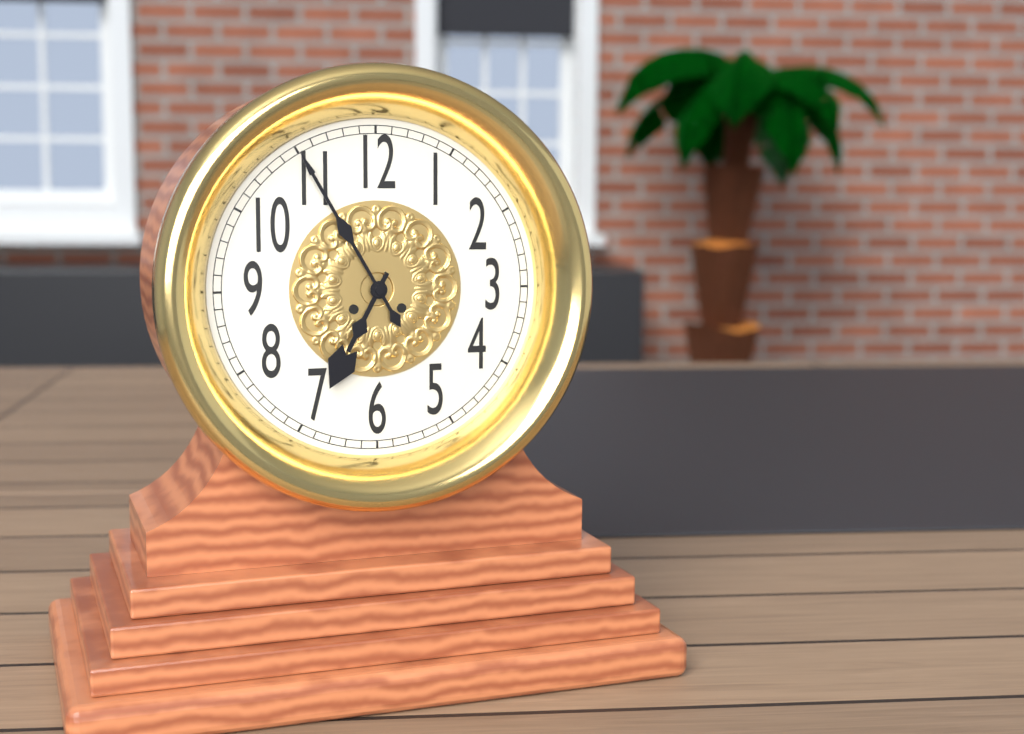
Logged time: 6:55
